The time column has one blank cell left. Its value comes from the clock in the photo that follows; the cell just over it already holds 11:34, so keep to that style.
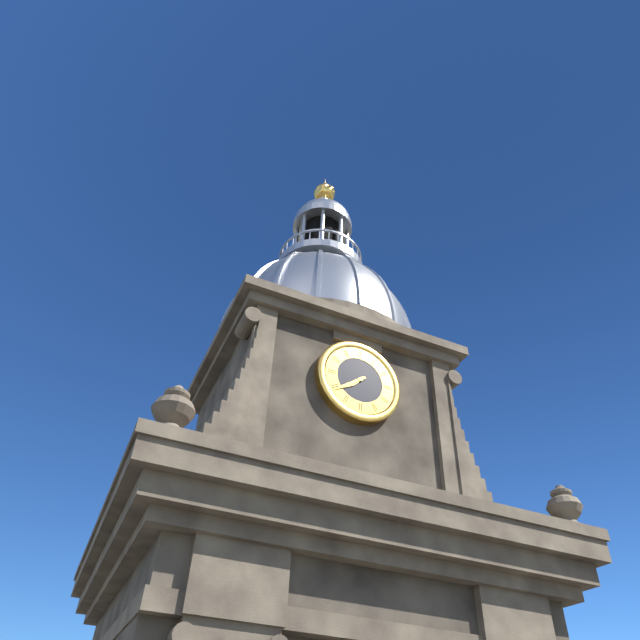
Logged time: 7:39
